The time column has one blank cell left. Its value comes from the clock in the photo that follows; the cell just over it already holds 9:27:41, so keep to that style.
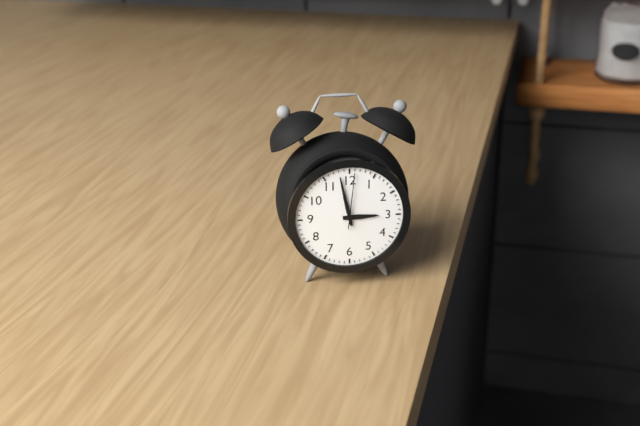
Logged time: 2:58:01
